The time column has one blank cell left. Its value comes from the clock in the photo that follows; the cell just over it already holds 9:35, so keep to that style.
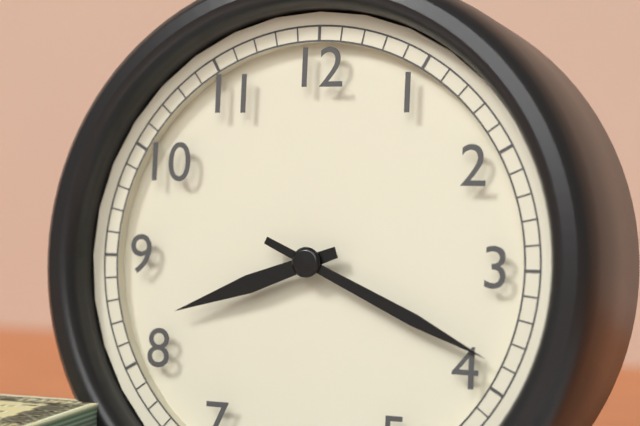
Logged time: 8:19
